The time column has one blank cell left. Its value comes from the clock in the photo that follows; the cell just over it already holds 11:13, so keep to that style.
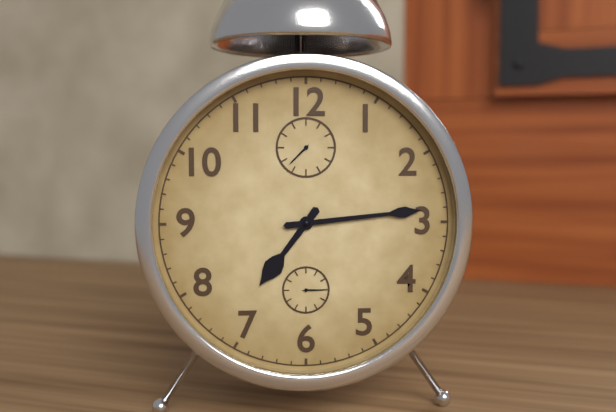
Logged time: 7:14
